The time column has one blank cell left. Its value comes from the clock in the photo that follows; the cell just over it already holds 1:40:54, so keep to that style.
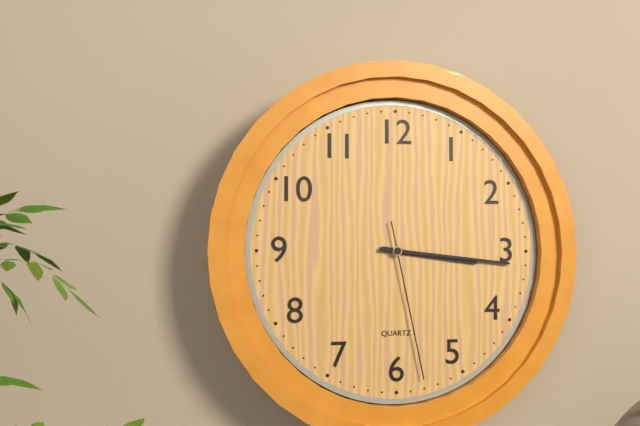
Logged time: 3:16:28
